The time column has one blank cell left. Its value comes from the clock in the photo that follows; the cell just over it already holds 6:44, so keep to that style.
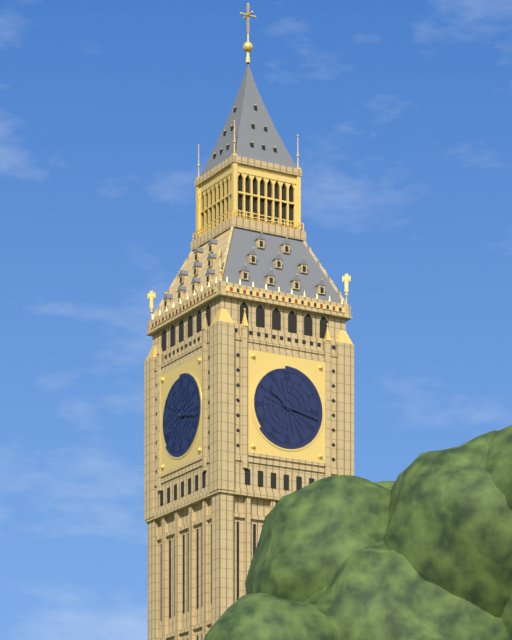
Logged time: 10:17
